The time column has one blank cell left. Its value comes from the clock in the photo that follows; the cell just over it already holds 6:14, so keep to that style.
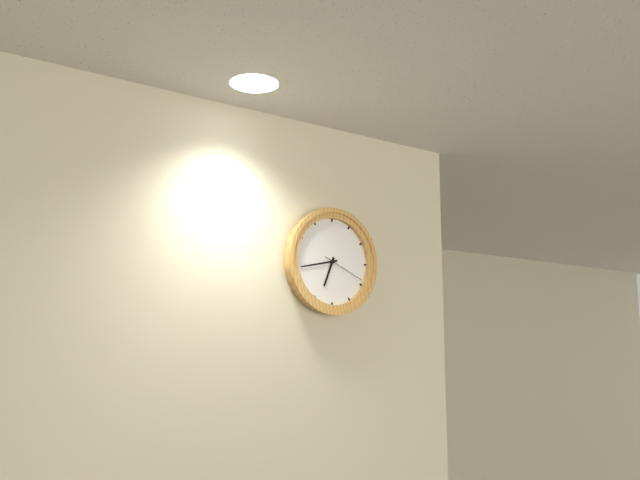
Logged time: 6:43
